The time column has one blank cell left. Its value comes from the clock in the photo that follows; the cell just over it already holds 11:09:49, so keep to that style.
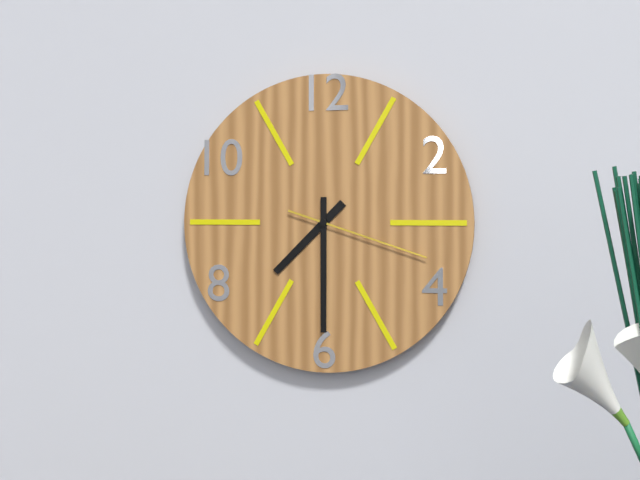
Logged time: 7:30:18
